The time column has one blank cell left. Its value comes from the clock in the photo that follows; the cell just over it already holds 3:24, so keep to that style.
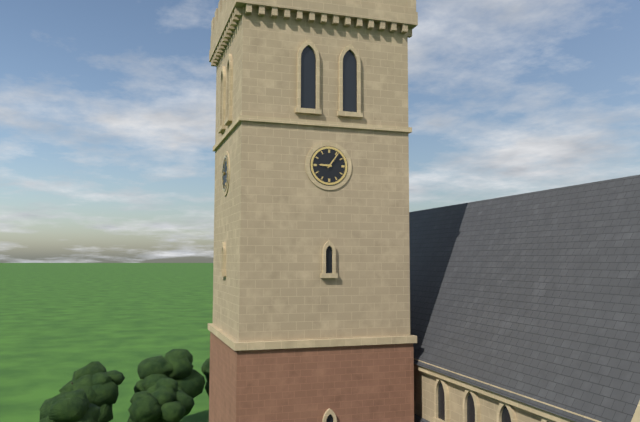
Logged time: 9:06
